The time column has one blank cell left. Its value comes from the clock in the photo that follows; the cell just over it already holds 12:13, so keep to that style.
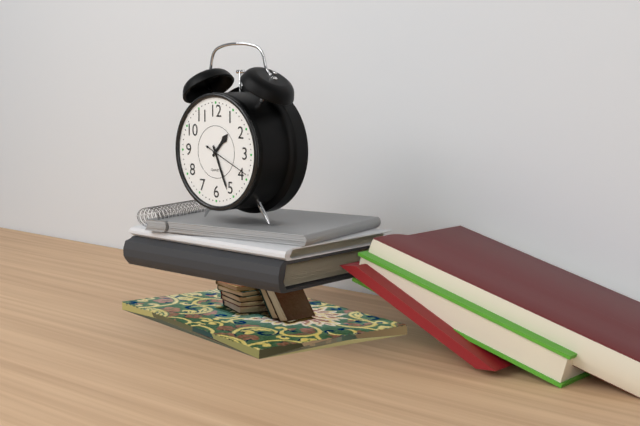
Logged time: 1:26
